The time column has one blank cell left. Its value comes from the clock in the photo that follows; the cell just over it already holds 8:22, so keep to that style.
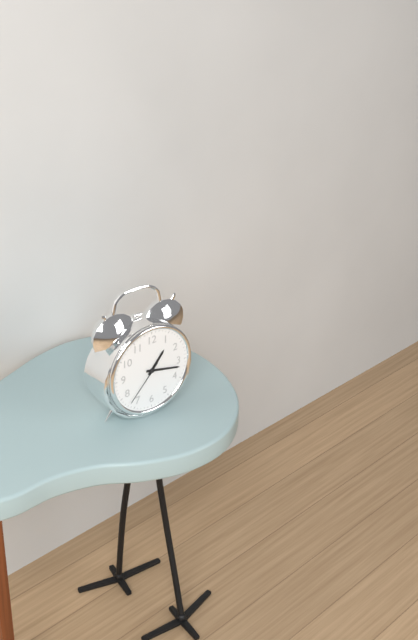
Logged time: 1:17
